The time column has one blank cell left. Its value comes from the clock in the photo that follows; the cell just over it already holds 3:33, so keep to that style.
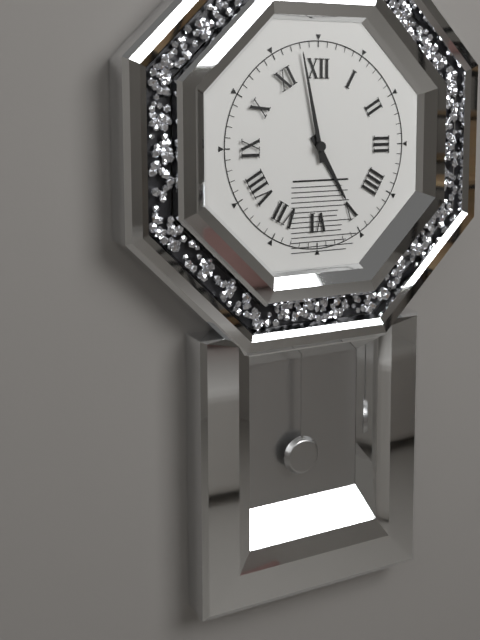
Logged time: 4:58
